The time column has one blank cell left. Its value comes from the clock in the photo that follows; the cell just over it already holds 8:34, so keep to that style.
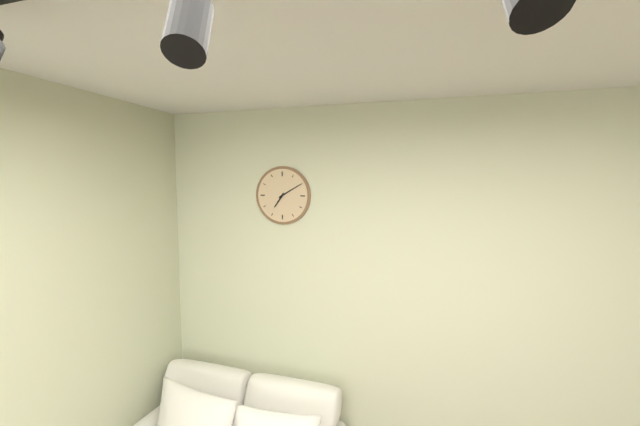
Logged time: 7:10
